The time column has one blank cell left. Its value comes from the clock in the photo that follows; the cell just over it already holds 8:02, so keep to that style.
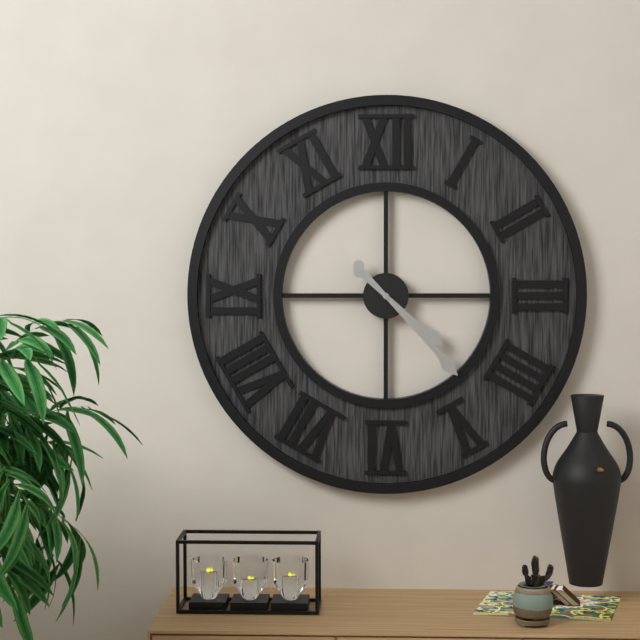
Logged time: 4:23
